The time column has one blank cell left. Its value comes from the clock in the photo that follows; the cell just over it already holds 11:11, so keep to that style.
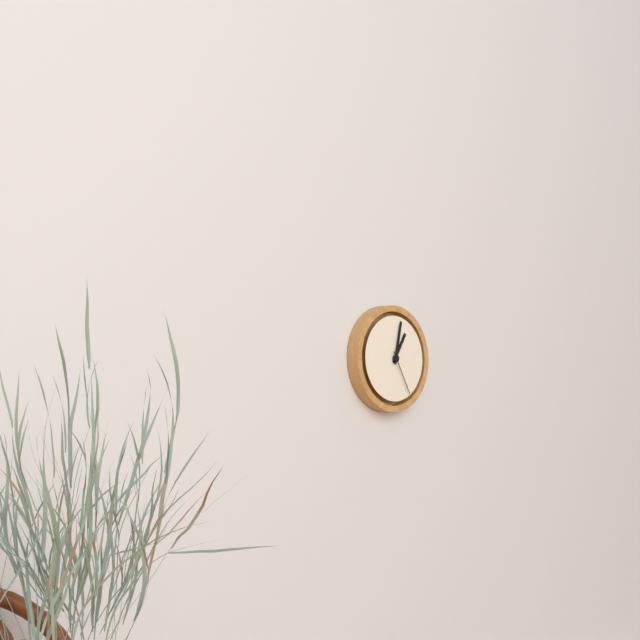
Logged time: 1:02
